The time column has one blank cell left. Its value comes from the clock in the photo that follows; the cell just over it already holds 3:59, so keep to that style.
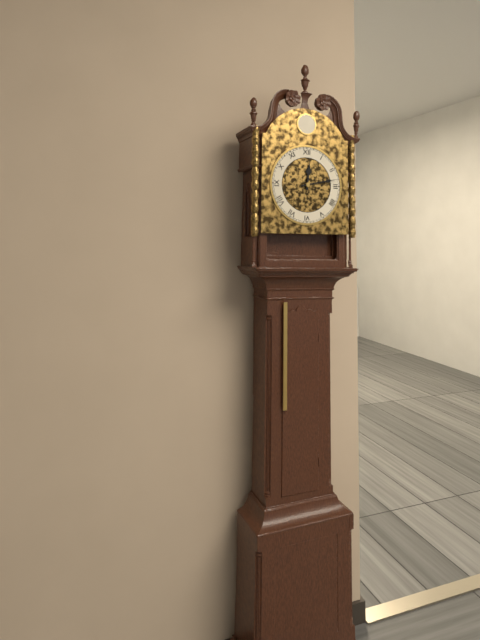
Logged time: 12:13
